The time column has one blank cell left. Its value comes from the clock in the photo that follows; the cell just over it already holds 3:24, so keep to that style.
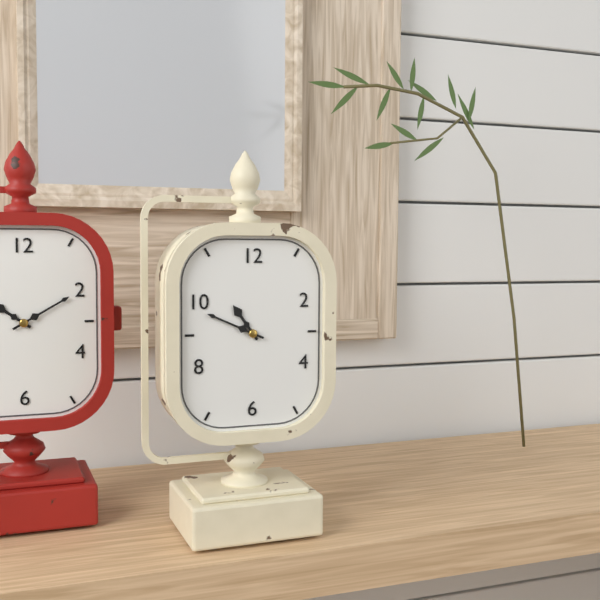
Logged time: 10:49
